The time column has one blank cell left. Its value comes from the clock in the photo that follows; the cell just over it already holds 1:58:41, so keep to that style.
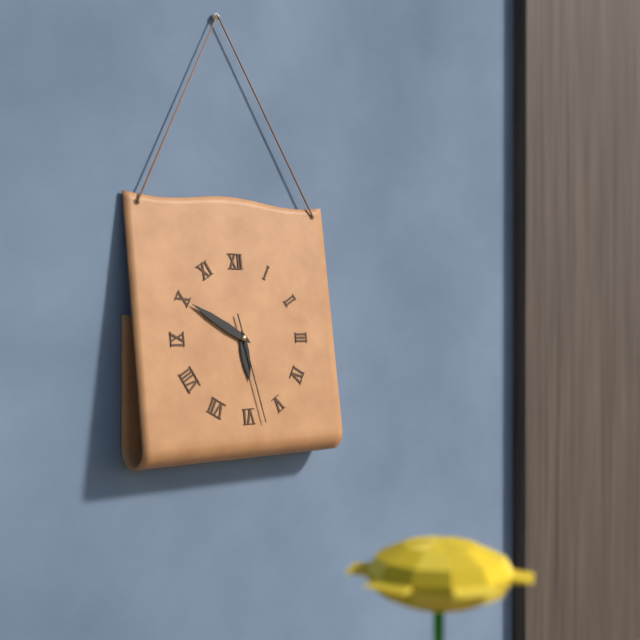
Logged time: 5:50:28
